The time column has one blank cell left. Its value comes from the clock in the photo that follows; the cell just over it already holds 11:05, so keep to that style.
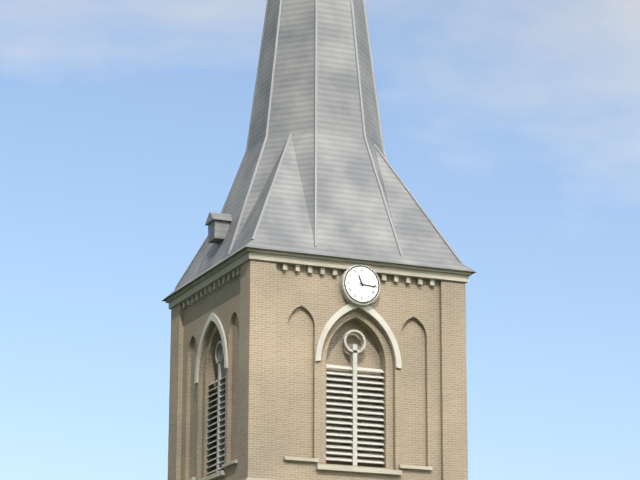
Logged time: 11:16
